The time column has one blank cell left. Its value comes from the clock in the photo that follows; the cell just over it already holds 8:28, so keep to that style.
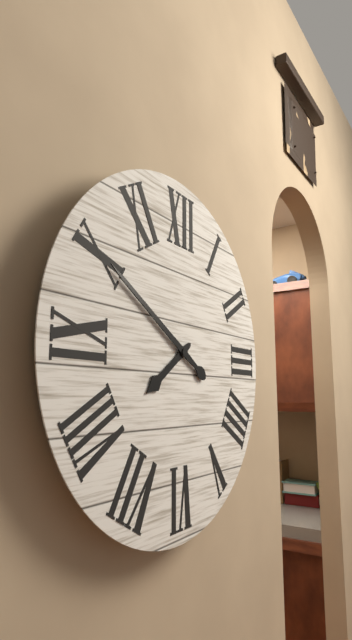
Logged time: 7:50
